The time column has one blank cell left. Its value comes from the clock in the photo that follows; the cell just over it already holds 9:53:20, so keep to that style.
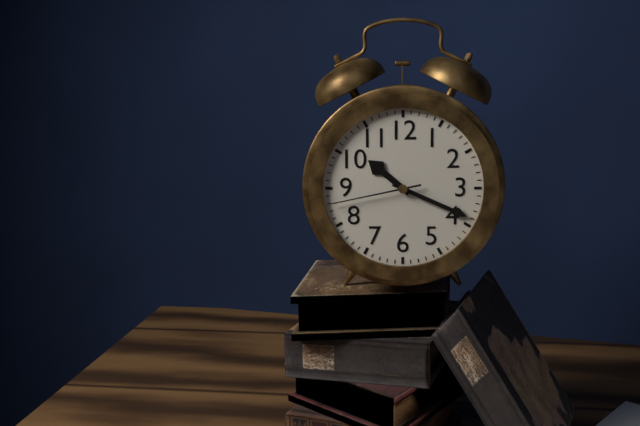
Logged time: 10:19:43
